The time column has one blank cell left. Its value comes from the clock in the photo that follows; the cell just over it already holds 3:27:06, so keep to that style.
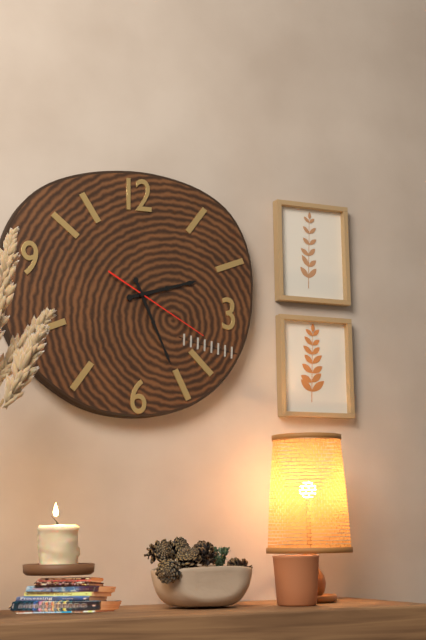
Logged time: 2:26:20
